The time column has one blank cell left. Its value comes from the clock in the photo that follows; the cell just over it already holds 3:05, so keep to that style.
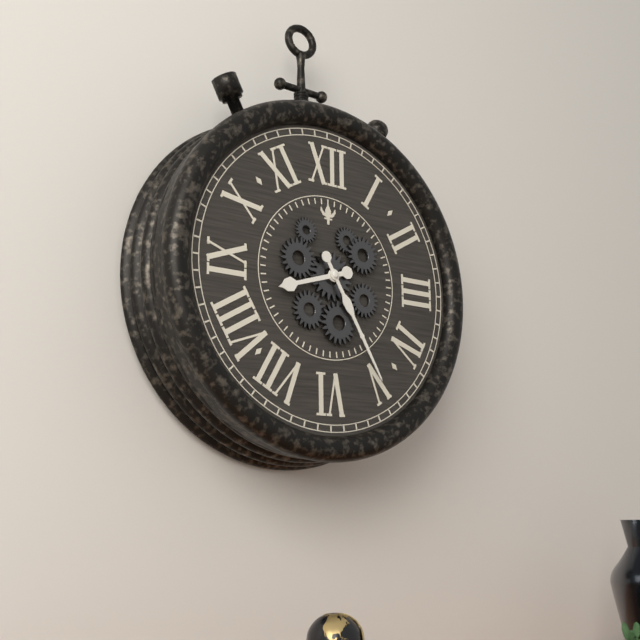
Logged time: 8:25
